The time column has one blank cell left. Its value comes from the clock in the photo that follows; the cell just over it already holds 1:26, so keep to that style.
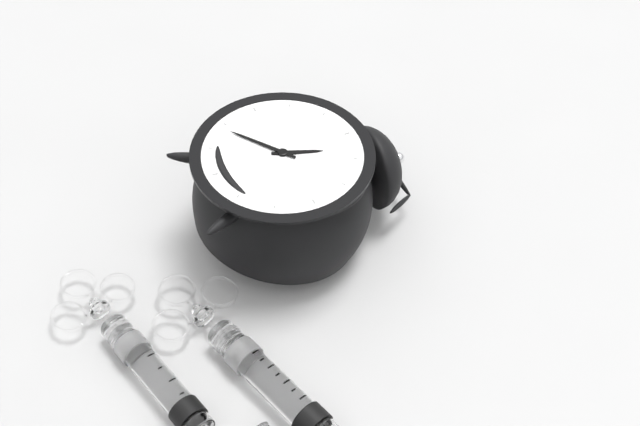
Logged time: 12:39
